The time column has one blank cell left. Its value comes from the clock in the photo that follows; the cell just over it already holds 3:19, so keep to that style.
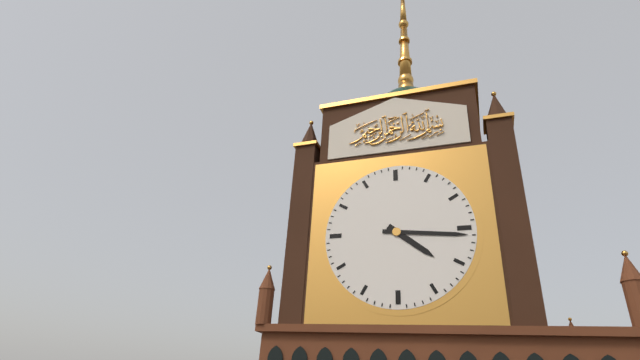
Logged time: 4:16
